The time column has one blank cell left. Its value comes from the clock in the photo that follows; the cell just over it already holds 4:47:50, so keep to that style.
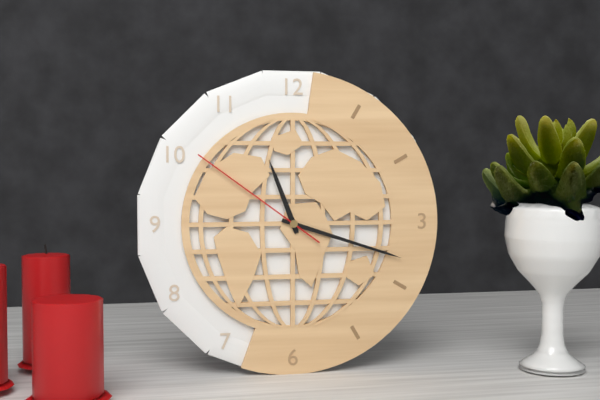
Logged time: 11:18:51
